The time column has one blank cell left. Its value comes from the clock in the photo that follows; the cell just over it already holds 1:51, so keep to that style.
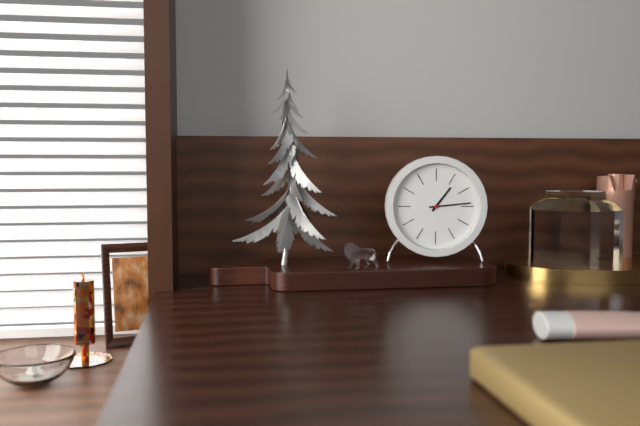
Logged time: 1:14
